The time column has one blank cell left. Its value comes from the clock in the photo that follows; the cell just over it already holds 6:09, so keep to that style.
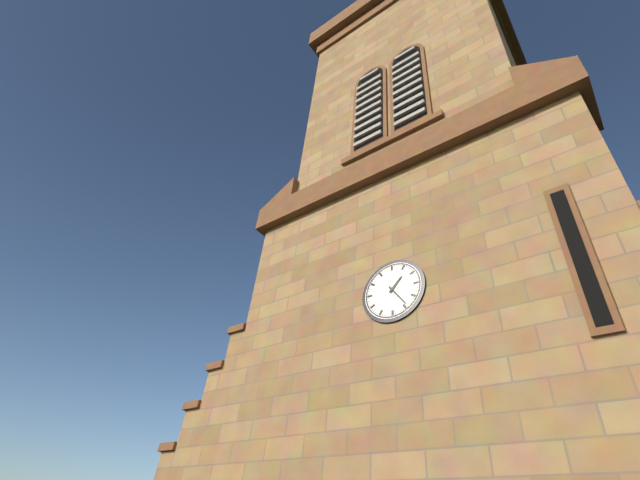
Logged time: 1:24
